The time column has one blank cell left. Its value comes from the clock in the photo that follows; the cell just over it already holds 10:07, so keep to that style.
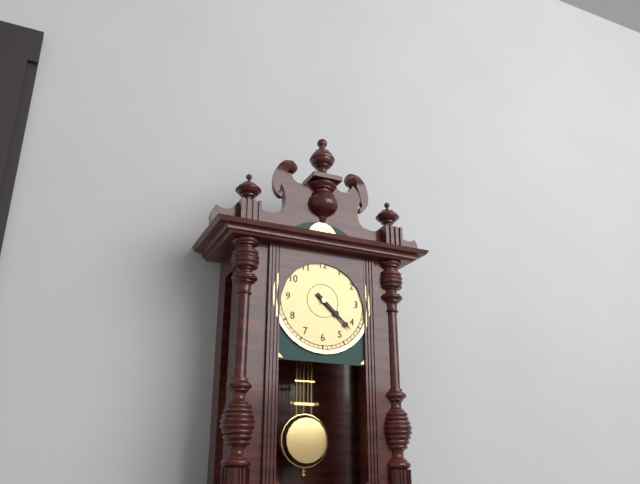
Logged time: 4:22
